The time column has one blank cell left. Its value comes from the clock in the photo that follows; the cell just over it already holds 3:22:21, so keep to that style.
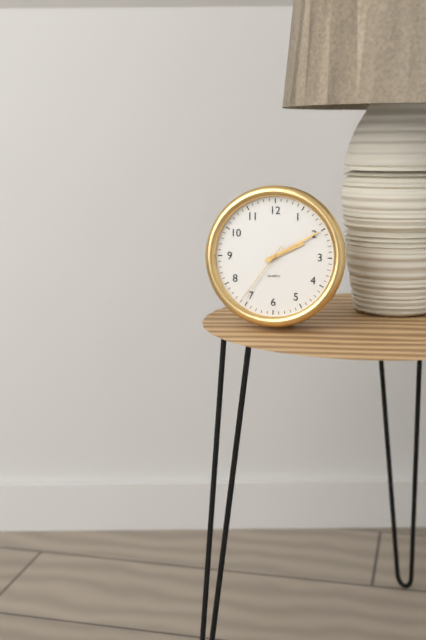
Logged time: 2:10:36
